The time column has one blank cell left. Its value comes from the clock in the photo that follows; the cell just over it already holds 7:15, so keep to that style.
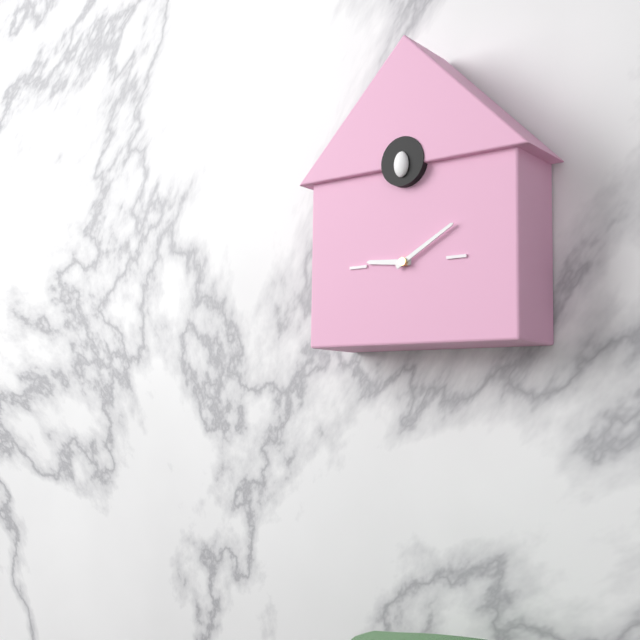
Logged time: 9:10
